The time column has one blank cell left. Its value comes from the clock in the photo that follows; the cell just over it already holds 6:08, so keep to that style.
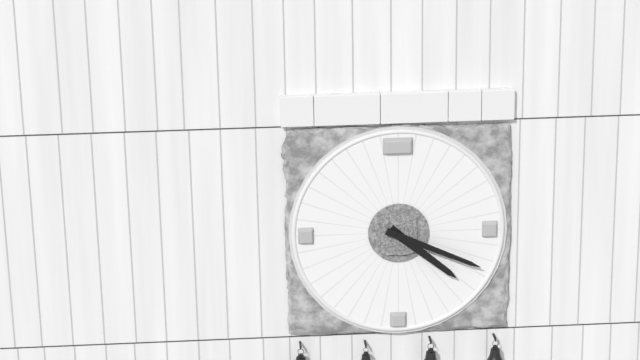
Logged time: 4:19
